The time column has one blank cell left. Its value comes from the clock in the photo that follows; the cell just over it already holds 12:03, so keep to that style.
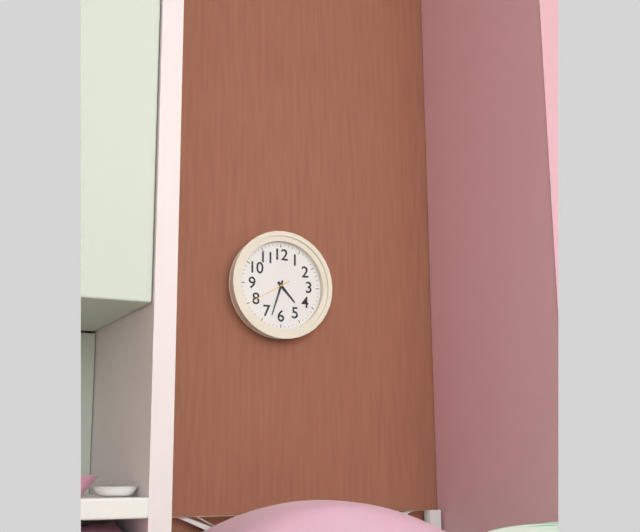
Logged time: 4:33
